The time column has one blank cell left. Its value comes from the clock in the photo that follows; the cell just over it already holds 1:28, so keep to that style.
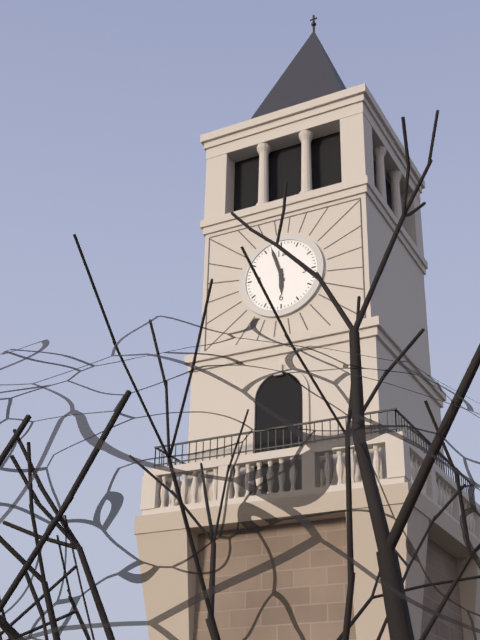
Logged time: 5:57
